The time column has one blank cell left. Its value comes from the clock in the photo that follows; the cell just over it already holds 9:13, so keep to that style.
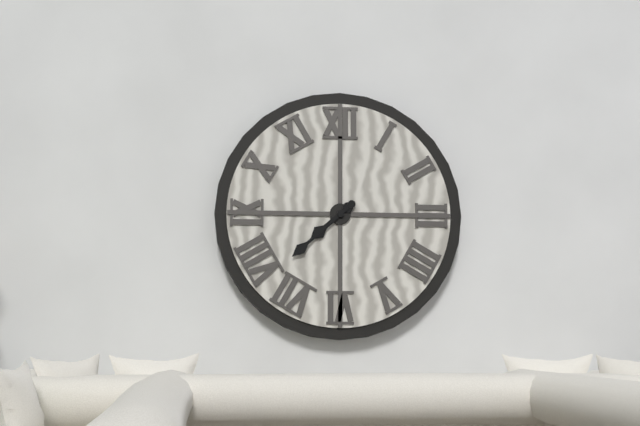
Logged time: 7:38
